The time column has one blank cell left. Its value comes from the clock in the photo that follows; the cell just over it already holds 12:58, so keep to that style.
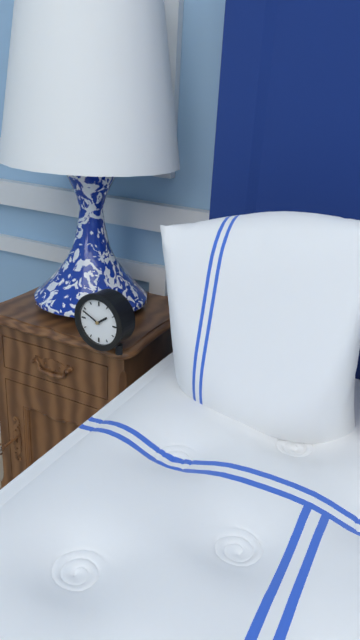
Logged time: 1:49
